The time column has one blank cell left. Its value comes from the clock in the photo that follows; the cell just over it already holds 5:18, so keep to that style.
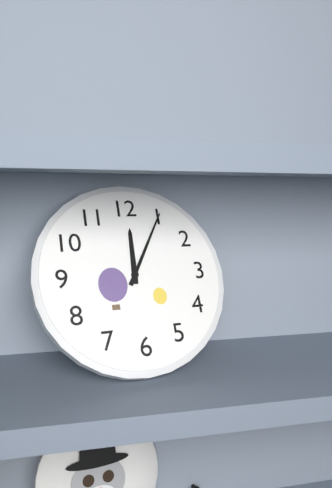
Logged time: 12:05
